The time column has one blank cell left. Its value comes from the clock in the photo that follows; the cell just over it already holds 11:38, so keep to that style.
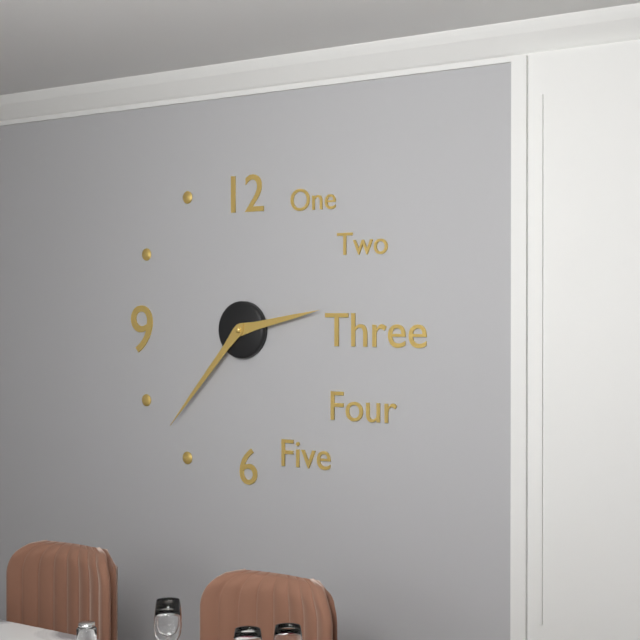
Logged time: 2:37
